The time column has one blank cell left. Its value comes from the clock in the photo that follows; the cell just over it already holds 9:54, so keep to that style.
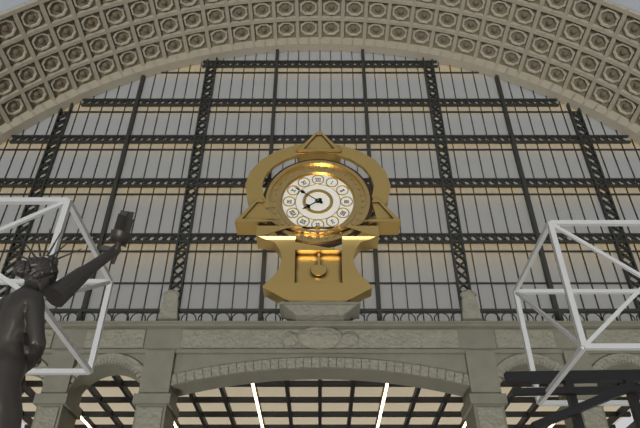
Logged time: 7:51
